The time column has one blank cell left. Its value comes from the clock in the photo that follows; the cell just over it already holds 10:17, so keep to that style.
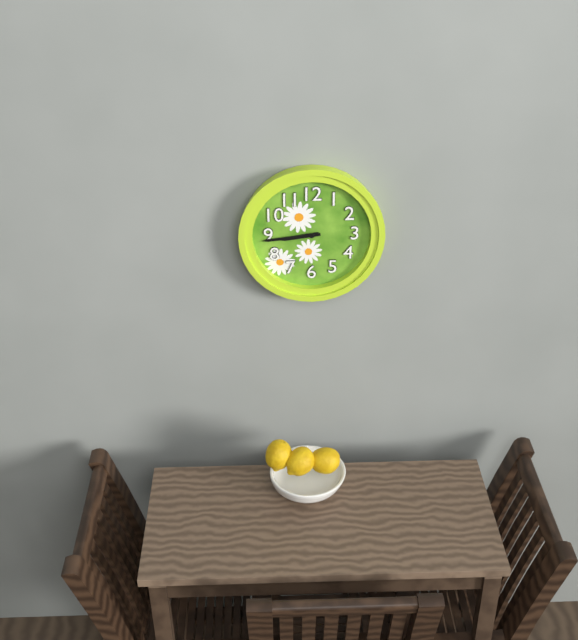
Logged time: 8:44
